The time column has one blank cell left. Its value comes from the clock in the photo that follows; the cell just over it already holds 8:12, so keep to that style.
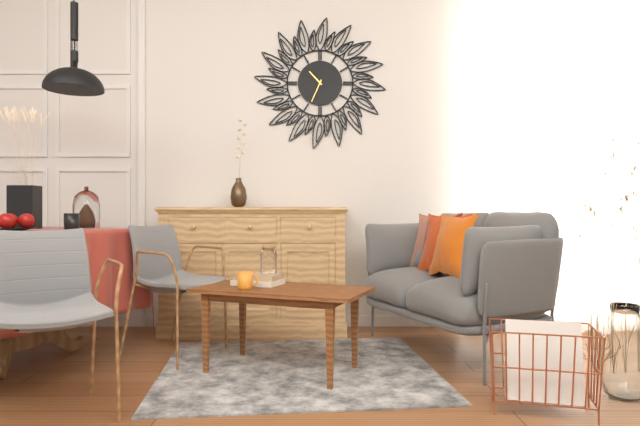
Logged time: 10:34
